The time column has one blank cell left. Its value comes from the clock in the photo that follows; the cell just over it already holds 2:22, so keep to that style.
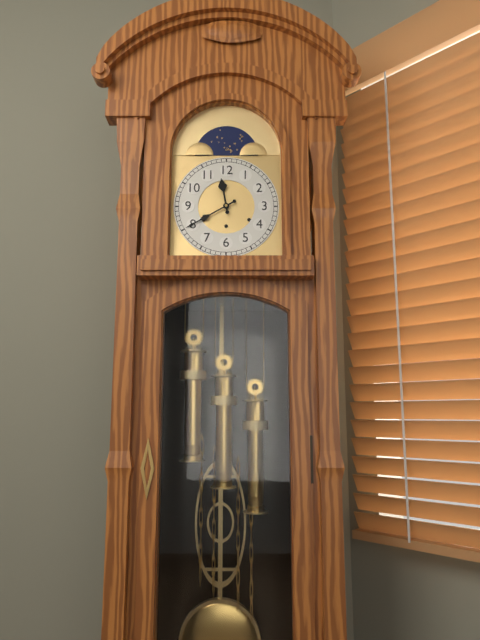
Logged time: 11:40
